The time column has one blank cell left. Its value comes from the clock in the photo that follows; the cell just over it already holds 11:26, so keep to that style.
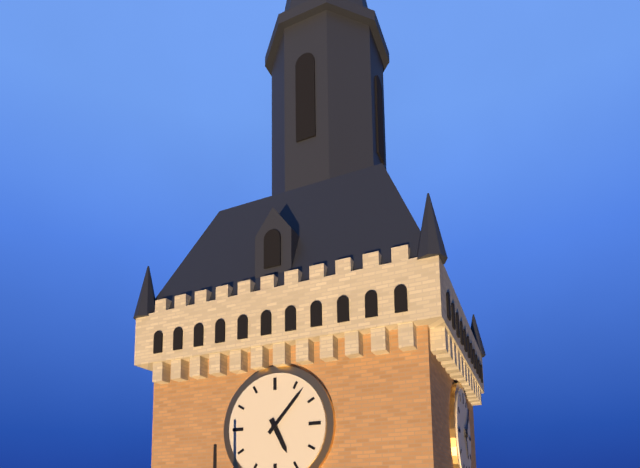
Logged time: 5:07
